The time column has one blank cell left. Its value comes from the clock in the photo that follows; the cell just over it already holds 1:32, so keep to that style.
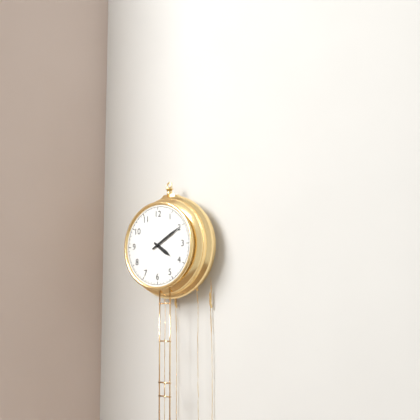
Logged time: 4:10
